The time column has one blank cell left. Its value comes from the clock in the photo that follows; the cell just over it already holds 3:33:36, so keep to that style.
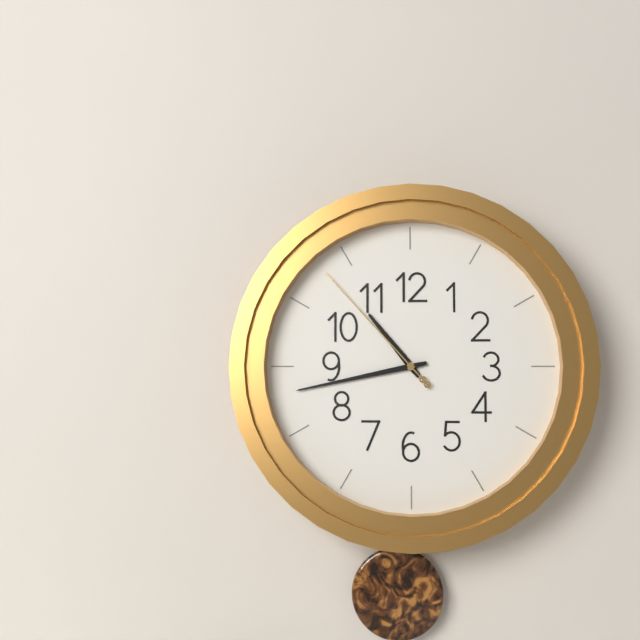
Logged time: 10:43:53
